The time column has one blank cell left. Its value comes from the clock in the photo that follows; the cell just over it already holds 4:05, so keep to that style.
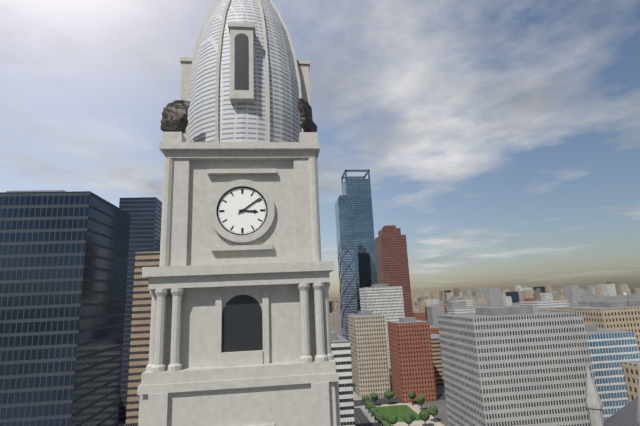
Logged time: 3:09
